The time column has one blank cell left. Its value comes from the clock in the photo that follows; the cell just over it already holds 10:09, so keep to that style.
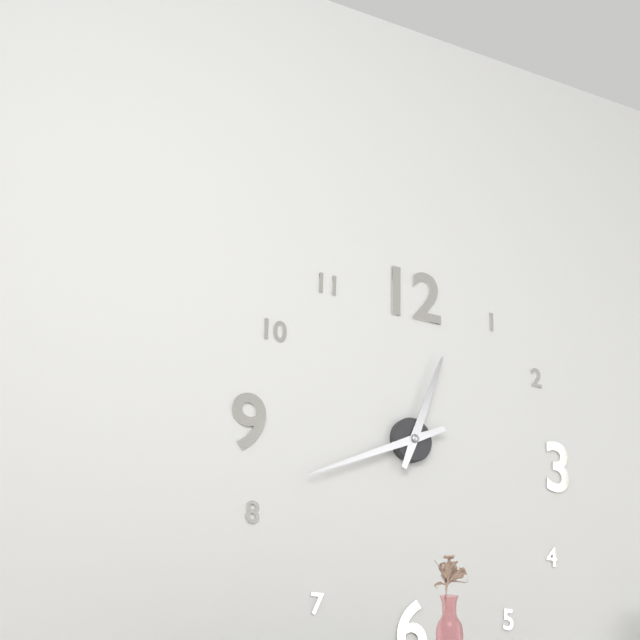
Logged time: 12:41
